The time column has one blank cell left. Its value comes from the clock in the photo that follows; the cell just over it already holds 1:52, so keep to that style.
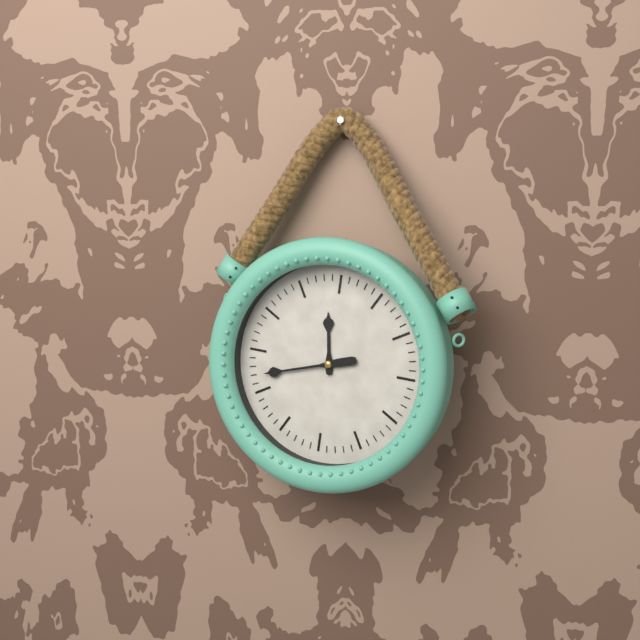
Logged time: 11:42
